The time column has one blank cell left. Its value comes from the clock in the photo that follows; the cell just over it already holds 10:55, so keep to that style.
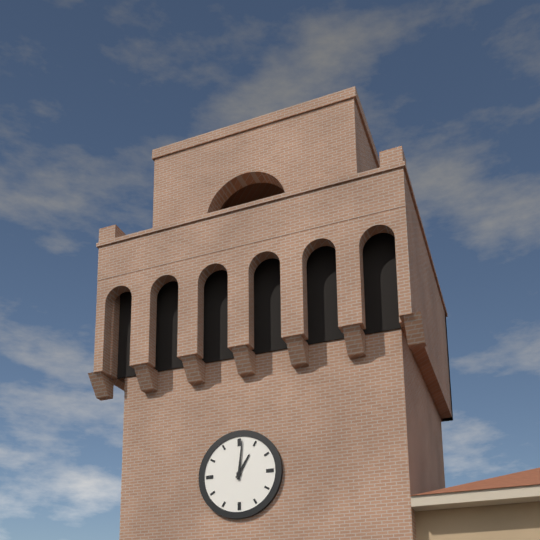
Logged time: 1:01
